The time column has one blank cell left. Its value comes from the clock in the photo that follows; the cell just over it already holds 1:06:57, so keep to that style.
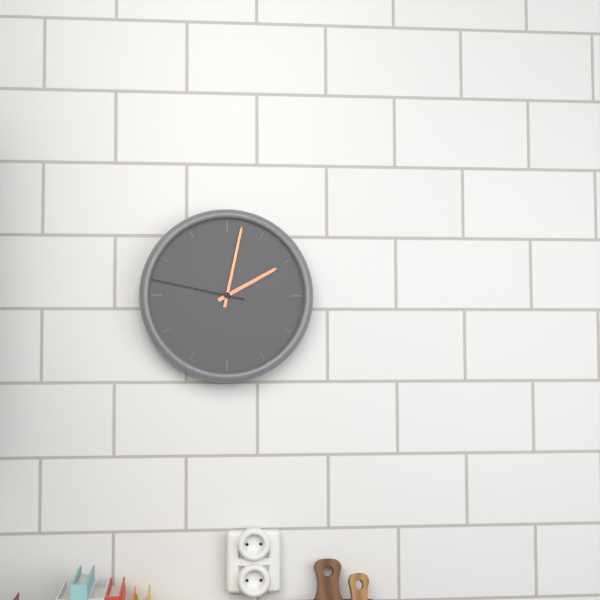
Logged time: 2:02:47
